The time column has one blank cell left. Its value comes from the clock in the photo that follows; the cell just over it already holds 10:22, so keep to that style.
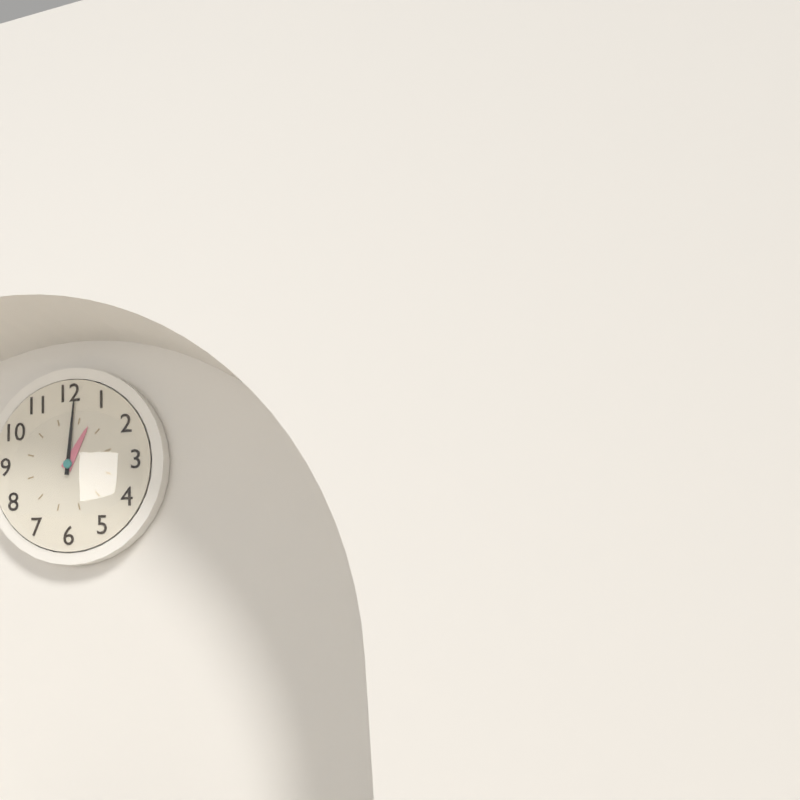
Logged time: 1:01
